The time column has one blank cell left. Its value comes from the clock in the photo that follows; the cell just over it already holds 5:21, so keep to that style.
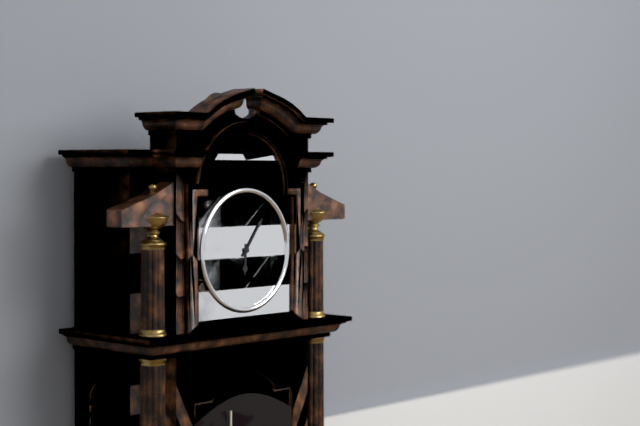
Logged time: 6:06
